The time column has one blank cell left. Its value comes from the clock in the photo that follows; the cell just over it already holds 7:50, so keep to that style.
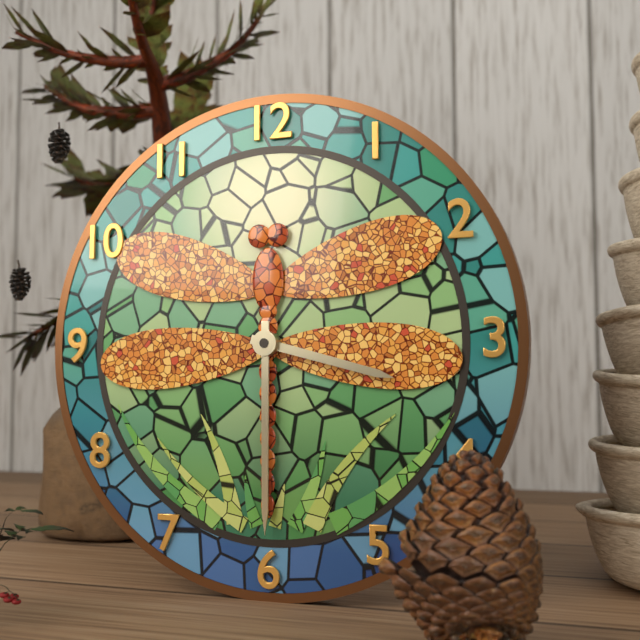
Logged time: 3:30
